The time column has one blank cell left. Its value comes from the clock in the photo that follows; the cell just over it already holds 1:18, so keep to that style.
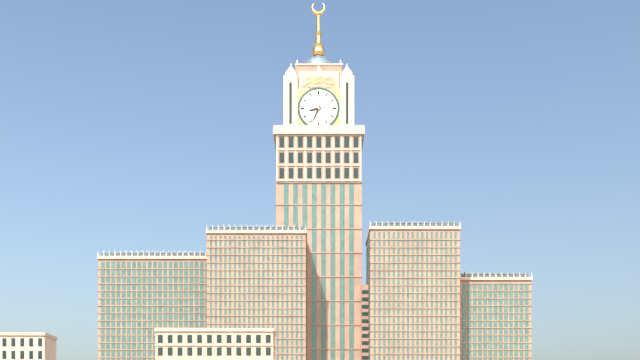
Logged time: 8:34
